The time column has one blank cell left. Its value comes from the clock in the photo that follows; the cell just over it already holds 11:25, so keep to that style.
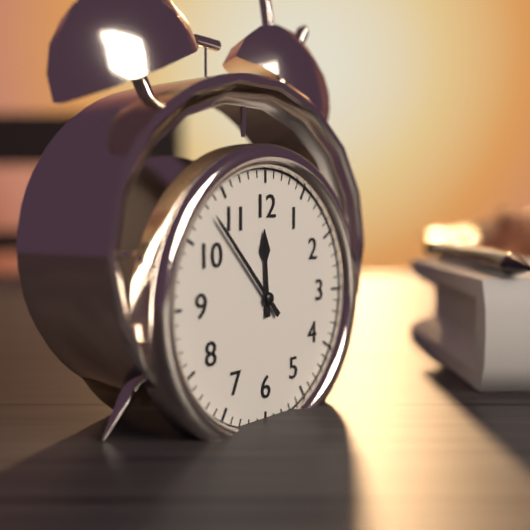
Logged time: 11:53
